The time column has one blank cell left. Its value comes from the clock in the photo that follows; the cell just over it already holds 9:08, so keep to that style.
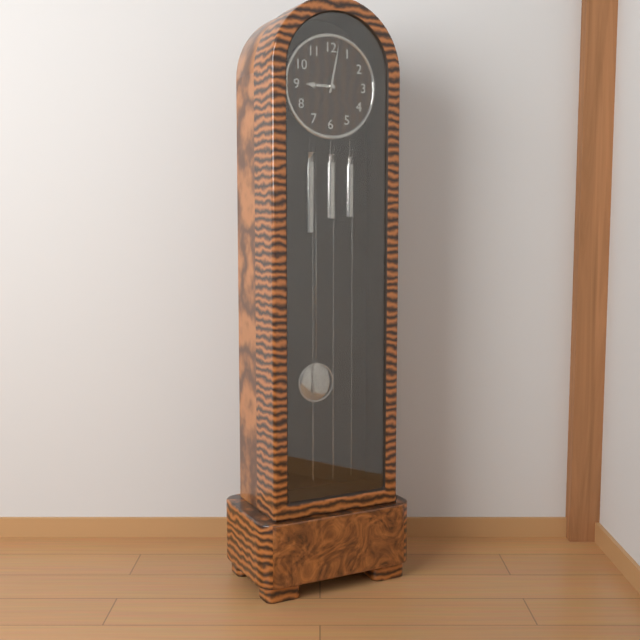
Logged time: 9:02
